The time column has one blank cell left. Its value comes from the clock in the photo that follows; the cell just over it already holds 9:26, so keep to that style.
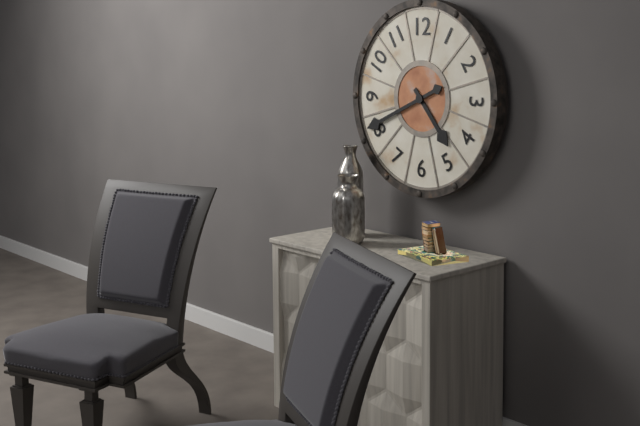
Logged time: 4:41
